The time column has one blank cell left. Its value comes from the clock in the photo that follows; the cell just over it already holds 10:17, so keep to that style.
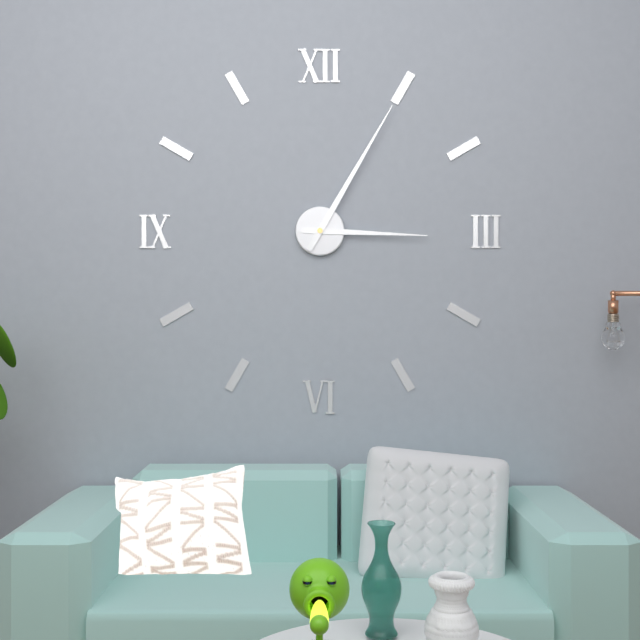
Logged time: 3:05
